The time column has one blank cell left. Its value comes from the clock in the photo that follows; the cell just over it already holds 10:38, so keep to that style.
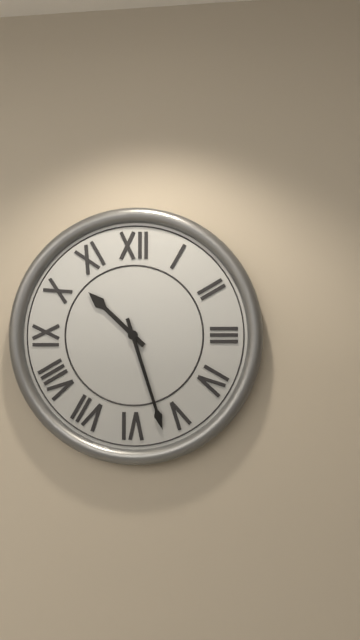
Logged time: 10:27
